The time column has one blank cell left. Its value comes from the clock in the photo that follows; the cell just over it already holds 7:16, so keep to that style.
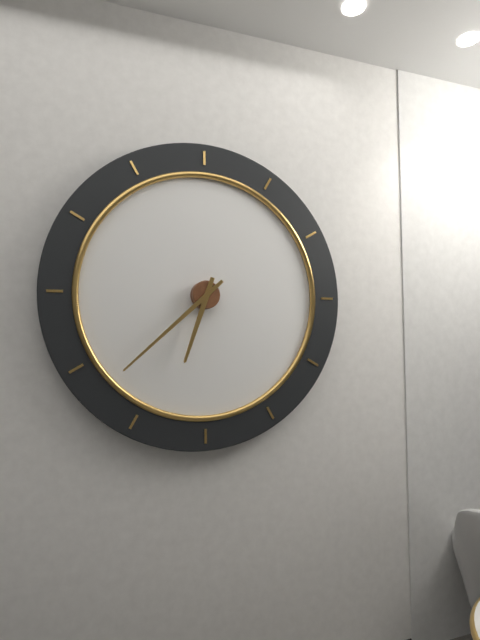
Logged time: 6:38
